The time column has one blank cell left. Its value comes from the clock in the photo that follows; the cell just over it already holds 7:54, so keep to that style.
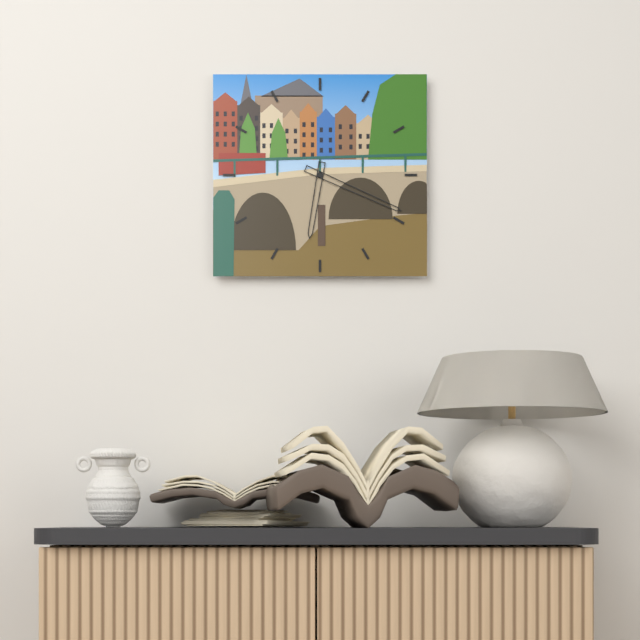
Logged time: 6:19
